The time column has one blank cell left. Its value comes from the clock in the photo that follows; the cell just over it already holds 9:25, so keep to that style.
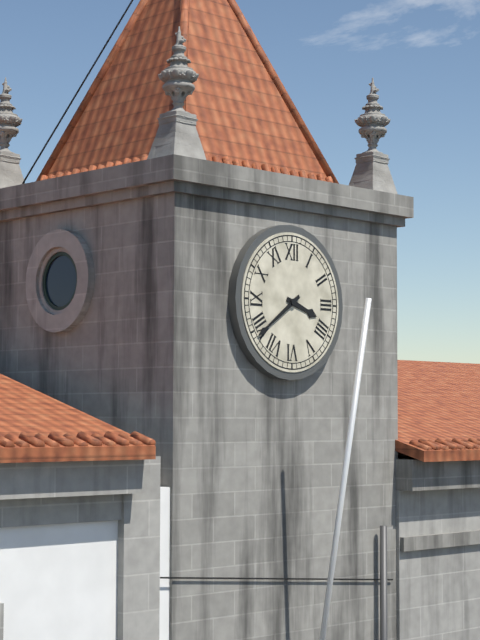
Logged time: 3:39
